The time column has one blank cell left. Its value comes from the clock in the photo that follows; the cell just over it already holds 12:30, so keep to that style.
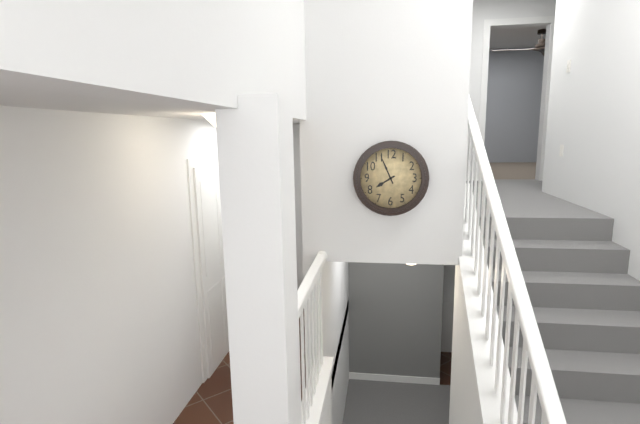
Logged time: 7:56
